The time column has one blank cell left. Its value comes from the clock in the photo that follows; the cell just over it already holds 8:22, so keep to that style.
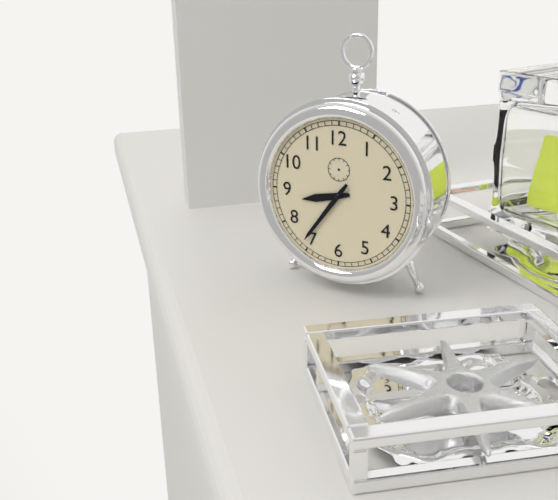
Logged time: 8:36
